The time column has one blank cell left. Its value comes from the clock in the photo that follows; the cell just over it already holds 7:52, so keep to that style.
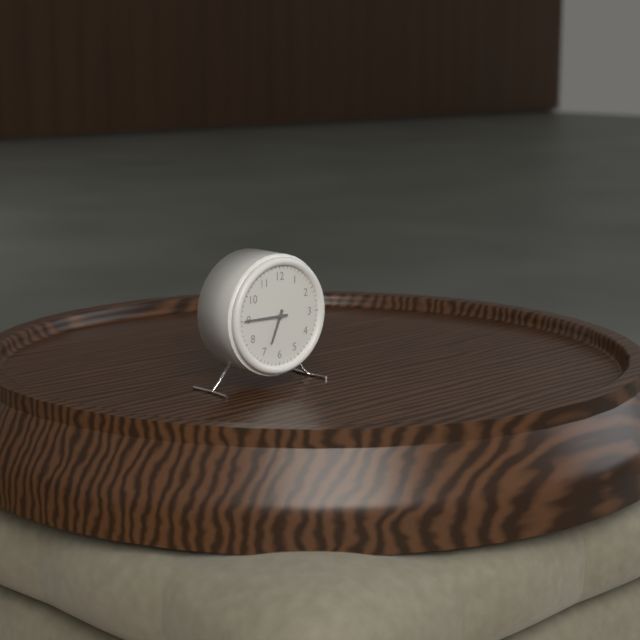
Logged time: 6:45
